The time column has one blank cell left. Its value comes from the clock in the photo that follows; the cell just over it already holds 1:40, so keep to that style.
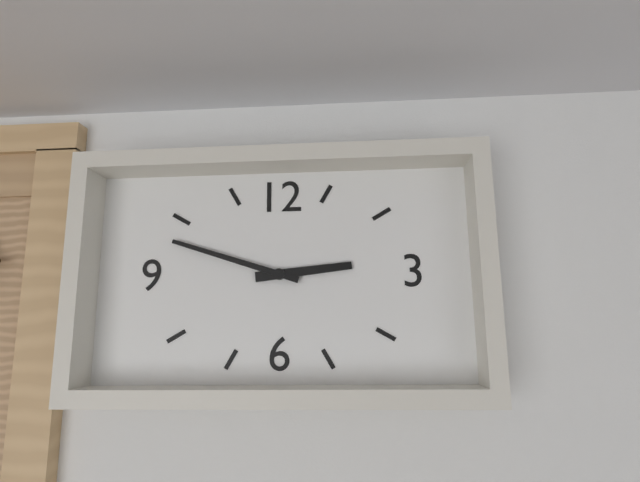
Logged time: 2:48
